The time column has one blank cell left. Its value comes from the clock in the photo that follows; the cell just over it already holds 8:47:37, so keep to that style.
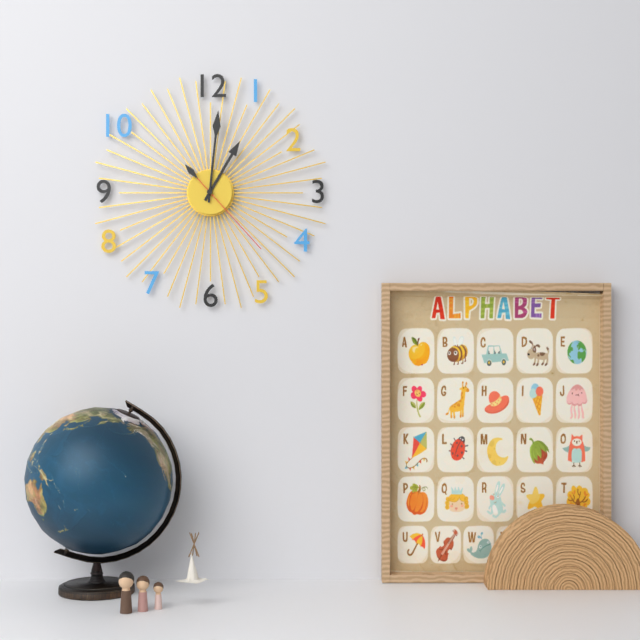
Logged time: 1:01:23
